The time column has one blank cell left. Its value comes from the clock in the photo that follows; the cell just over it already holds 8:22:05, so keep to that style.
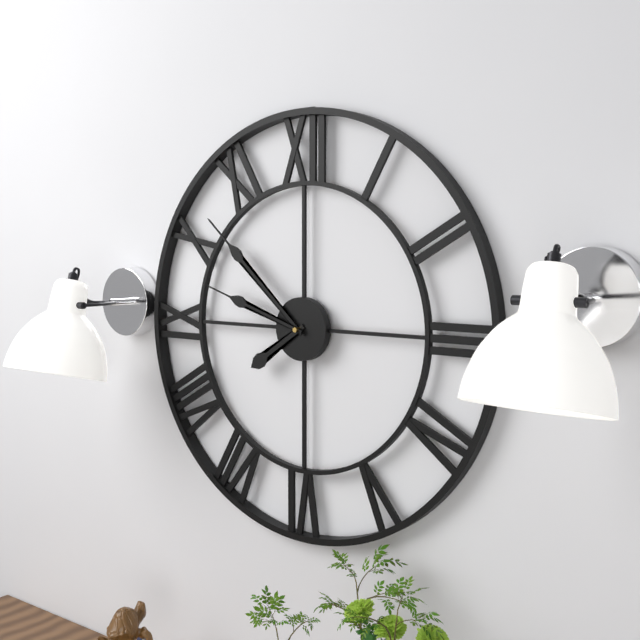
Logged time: 7:52:48
